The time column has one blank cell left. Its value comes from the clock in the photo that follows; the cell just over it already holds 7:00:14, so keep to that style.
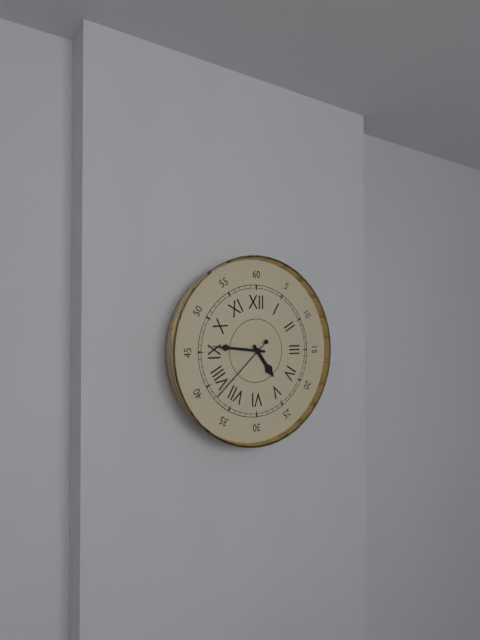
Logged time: 4:46:38
